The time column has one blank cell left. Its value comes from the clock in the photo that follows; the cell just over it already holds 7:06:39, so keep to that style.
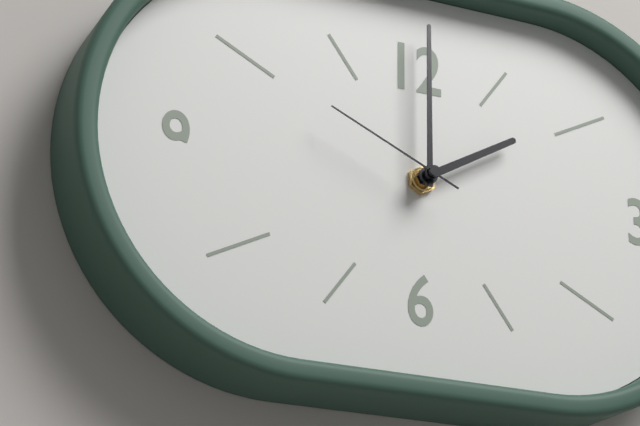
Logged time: 2:00:49
